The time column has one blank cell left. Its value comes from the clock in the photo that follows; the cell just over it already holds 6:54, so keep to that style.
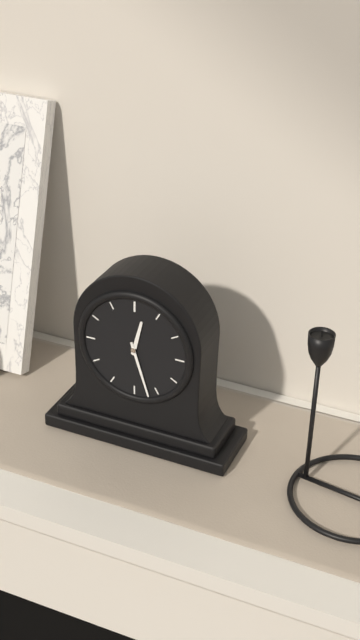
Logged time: 12:27
